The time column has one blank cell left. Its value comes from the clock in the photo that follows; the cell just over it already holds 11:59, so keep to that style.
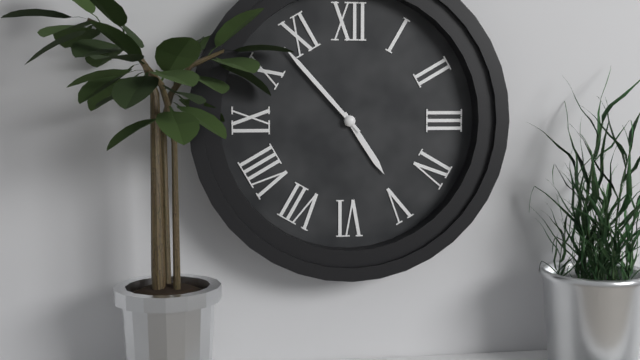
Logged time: 4:53
